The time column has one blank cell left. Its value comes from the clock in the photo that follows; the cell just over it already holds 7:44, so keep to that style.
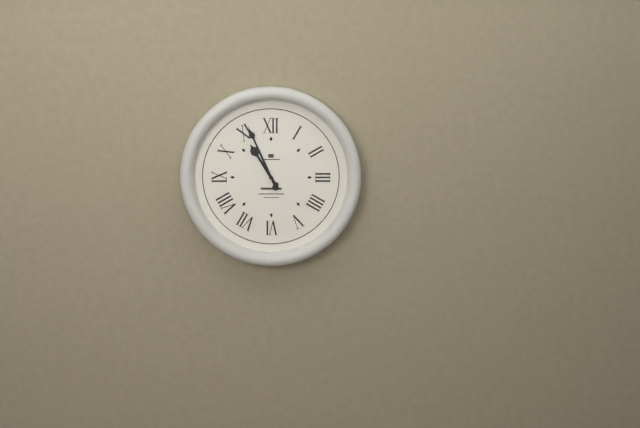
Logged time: 10:56
